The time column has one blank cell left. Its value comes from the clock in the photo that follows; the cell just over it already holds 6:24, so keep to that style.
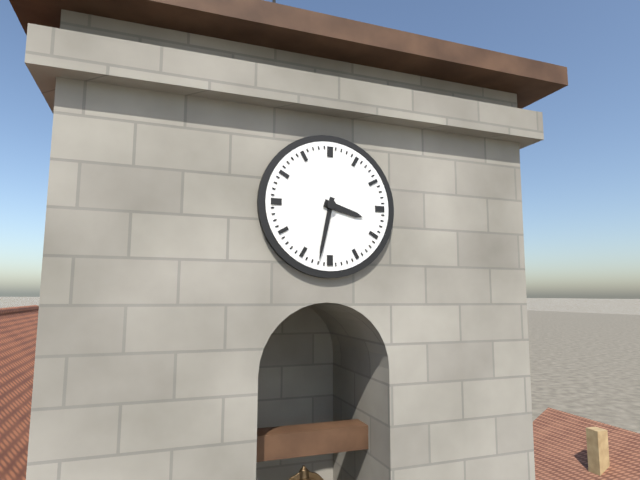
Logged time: 3:32
